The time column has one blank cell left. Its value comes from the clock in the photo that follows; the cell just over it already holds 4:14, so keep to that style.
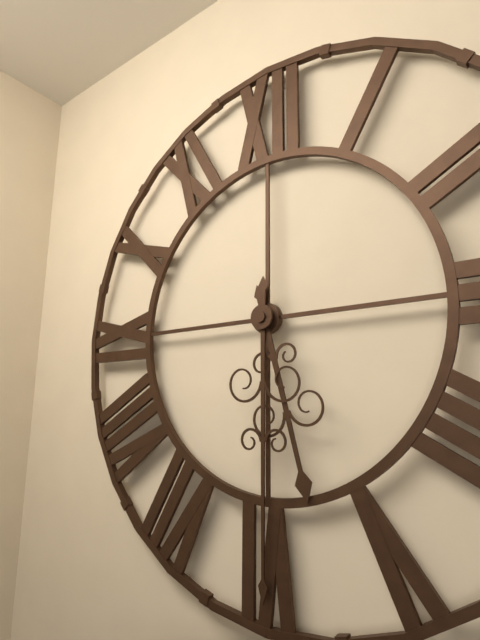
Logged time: 5:30
